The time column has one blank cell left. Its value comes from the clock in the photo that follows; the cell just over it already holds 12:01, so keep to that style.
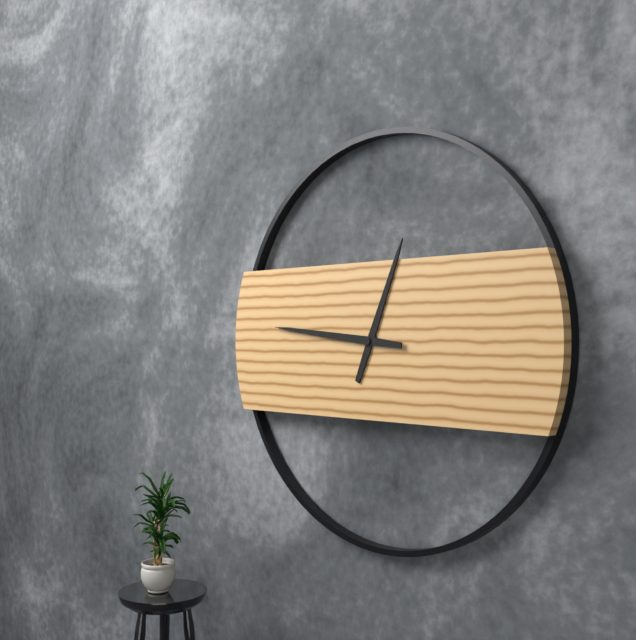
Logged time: 12:46
